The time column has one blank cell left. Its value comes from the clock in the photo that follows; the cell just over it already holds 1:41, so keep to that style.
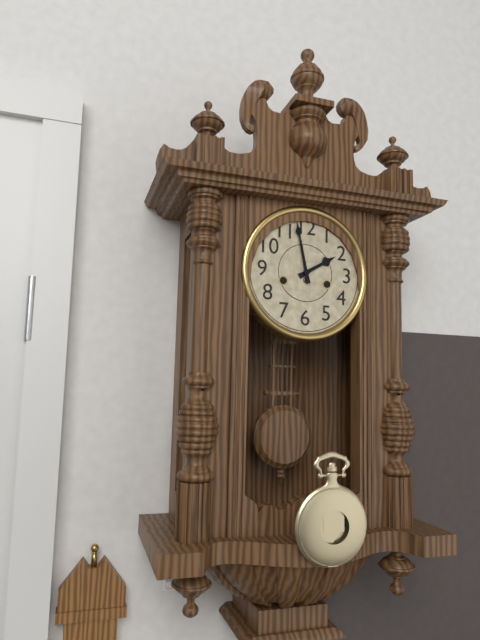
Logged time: 1:58
